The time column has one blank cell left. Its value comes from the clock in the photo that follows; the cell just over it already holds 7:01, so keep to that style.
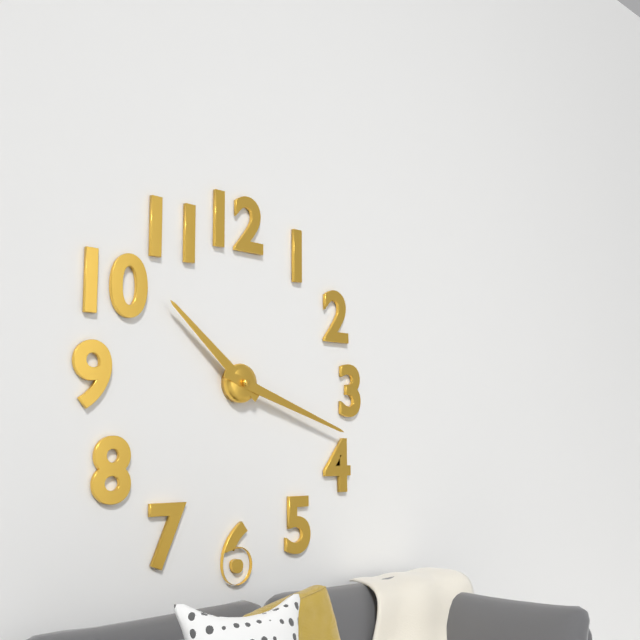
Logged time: 10:18
